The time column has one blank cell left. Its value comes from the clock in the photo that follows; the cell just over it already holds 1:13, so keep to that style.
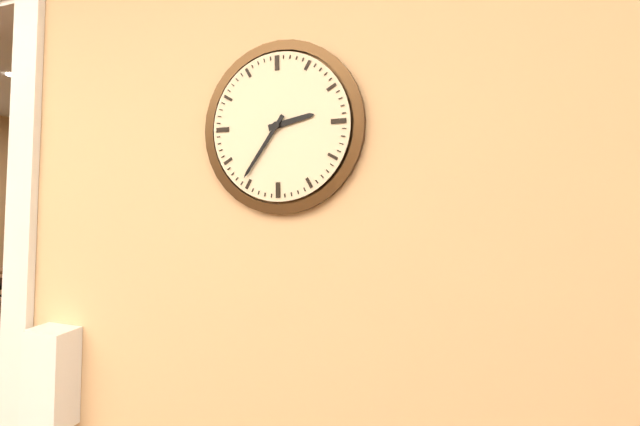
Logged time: 2:36
